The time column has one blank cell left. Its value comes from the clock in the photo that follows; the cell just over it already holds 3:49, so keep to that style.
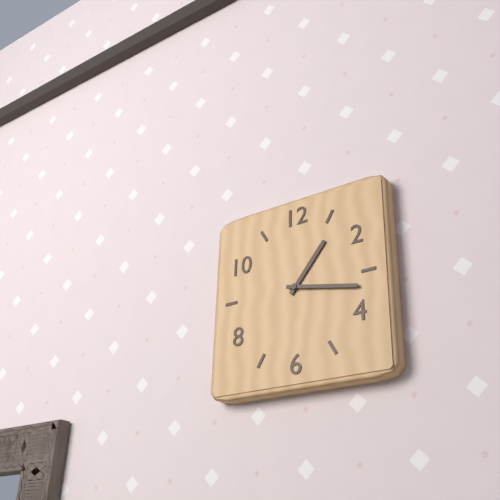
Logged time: 1:17
